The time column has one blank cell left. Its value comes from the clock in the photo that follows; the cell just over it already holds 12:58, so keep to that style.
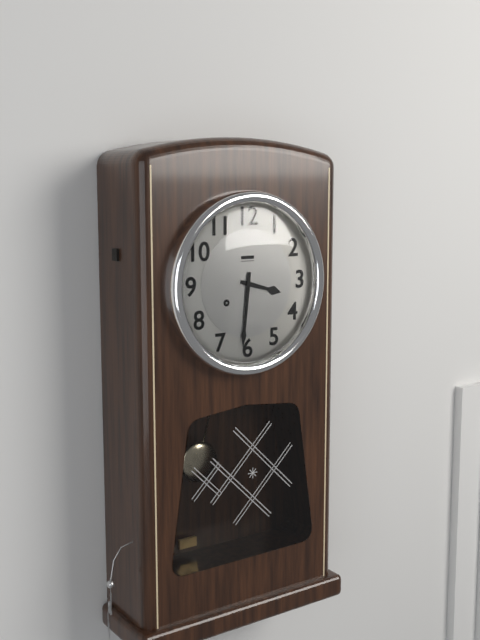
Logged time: 3:31
